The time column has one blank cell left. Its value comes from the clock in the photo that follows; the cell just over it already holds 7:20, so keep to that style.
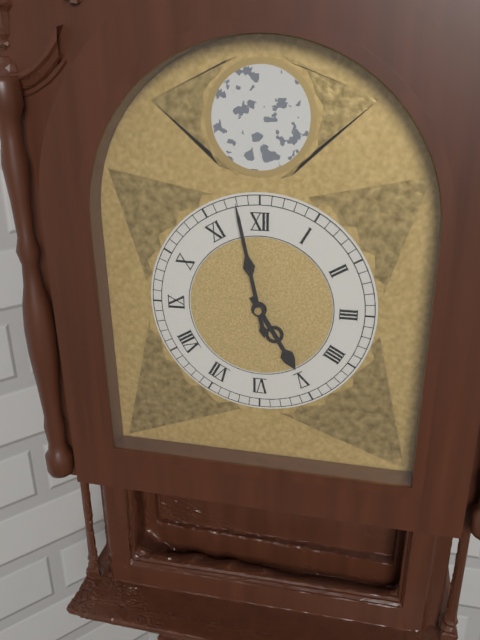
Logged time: 4:58
